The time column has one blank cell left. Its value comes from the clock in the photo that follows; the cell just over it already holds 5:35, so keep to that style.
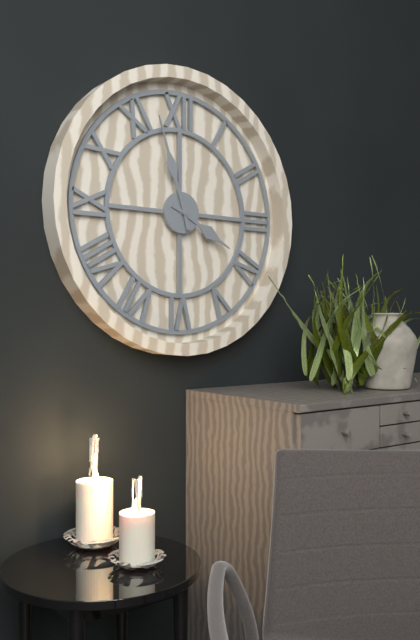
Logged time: 3:57
